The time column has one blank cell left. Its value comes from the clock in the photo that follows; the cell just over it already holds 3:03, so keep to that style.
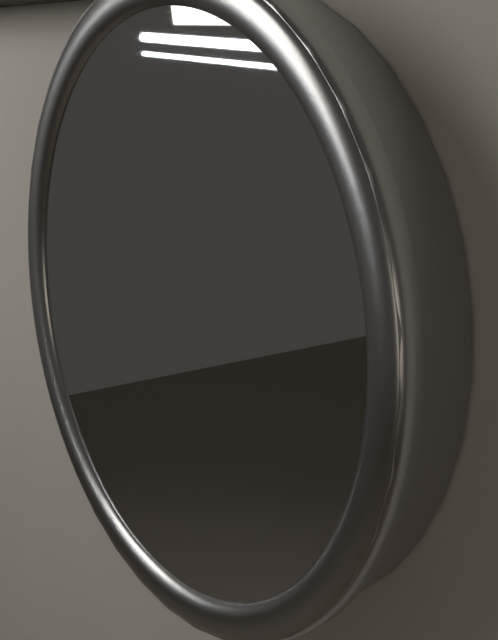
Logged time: 9:58
